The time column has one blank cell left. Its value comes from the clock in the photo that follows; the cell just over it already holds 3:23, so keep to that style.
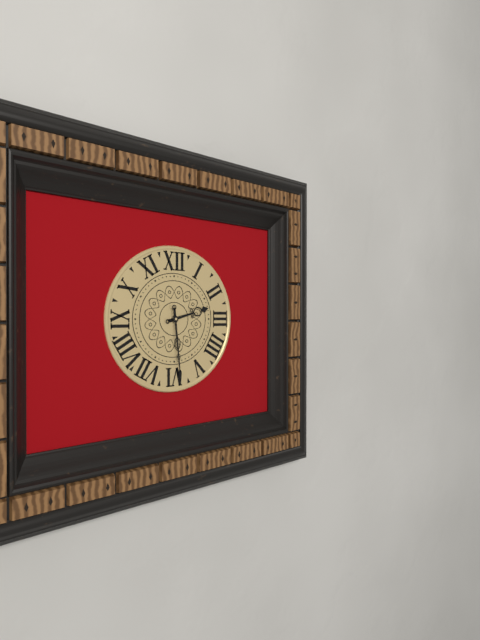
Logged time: 2:29
